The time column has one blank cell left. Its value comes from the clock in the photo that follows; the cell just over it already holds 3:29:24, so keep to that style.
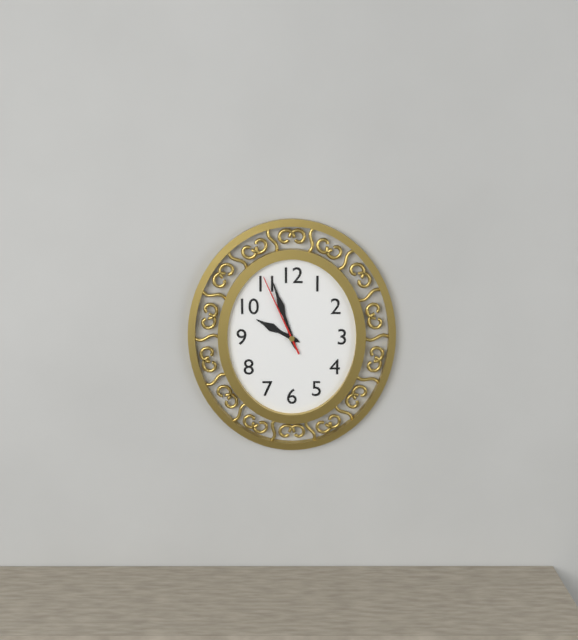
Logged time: 9:57:56
